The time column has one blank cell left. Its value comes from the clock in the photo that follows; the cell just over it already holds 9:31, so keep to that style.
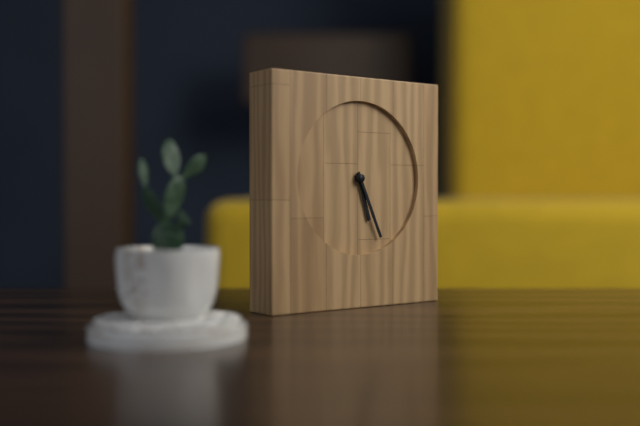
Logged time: 5:26
